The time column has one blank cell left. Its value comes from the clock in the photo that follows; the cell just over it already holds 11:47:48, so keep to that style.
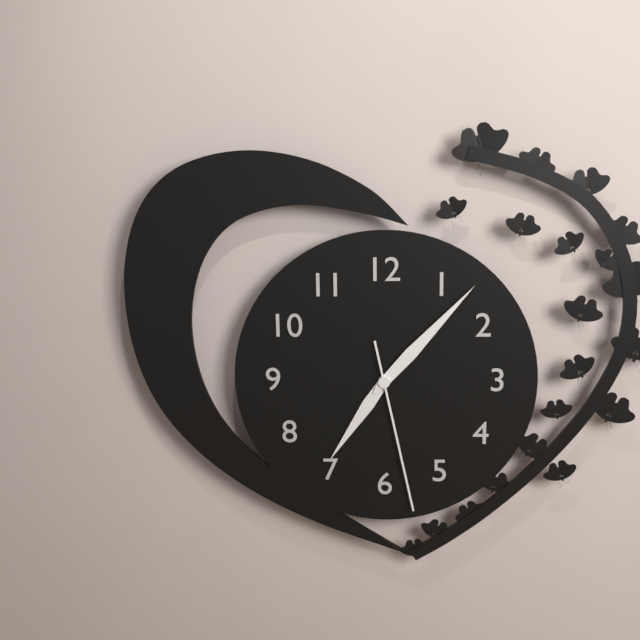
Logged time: 7:07:28
